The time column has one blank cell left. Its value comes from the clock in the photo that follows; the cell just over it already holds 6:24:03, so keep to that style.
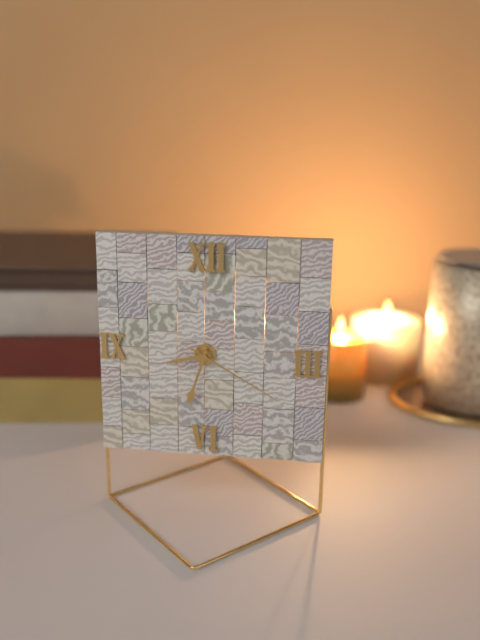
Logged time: 8:33:20
